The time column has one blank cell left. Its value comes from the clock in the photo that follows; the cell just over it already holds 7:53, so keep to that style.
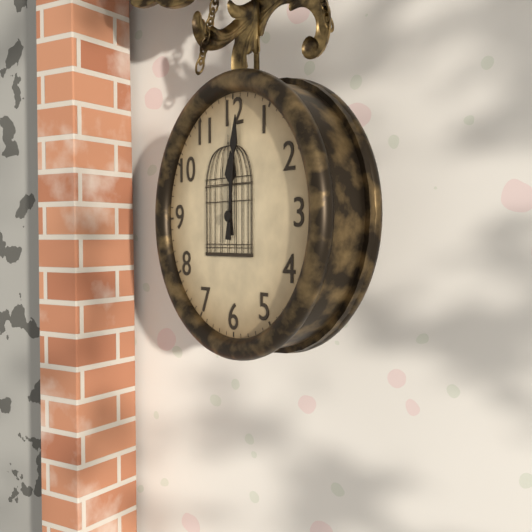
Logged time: 12:01
